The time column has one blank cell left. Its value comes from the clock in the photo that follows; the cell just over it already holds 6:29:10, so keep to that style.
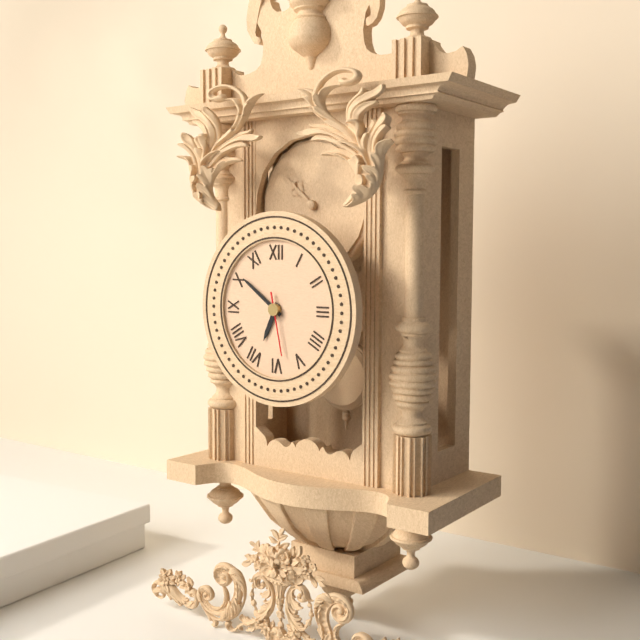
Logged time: 6:51:28
